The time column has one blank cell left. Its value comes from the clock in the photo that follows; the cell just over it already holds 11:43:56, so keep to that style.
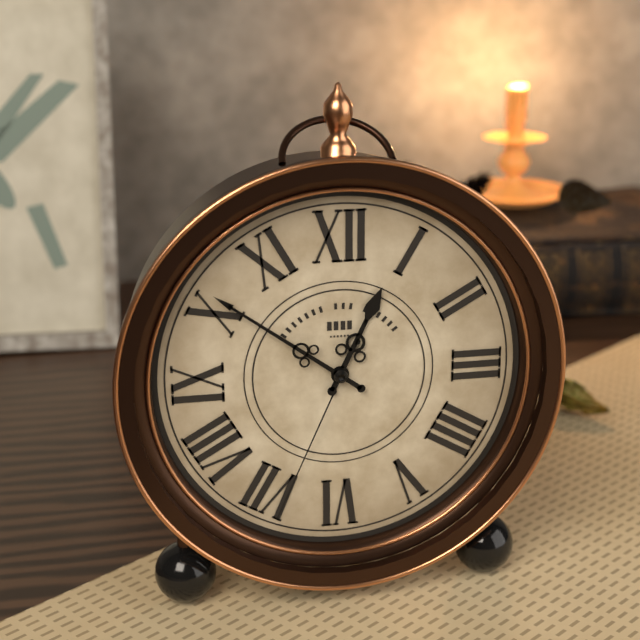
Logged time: 12:51:34
